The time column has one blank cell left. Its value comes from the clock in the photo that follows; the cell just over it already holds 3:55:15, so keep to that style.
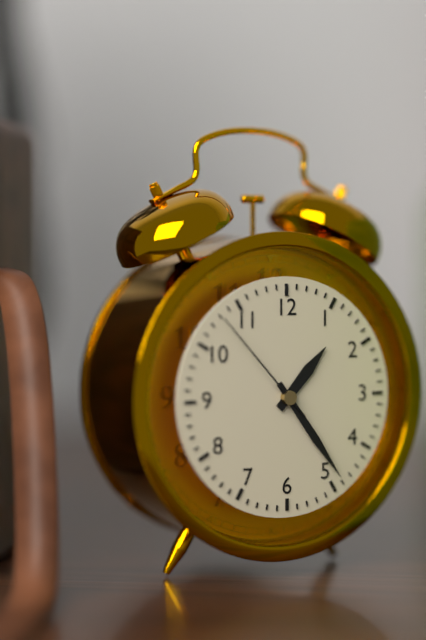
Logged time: 1:24:53
